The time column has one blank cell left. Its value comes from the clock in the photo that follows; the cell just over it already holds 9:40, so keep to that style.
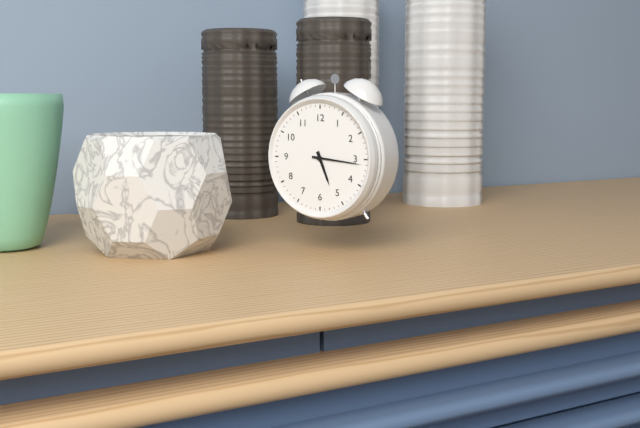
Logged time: 5:16
